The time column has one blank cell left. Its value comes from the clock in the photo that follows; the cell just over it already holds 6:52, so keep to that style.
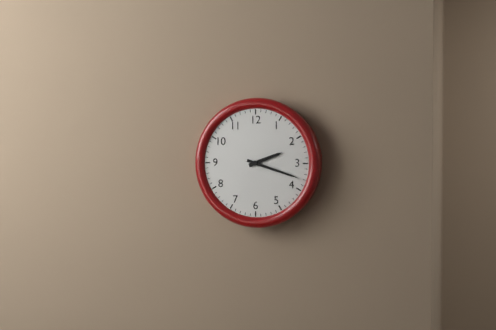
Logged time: 2:18
